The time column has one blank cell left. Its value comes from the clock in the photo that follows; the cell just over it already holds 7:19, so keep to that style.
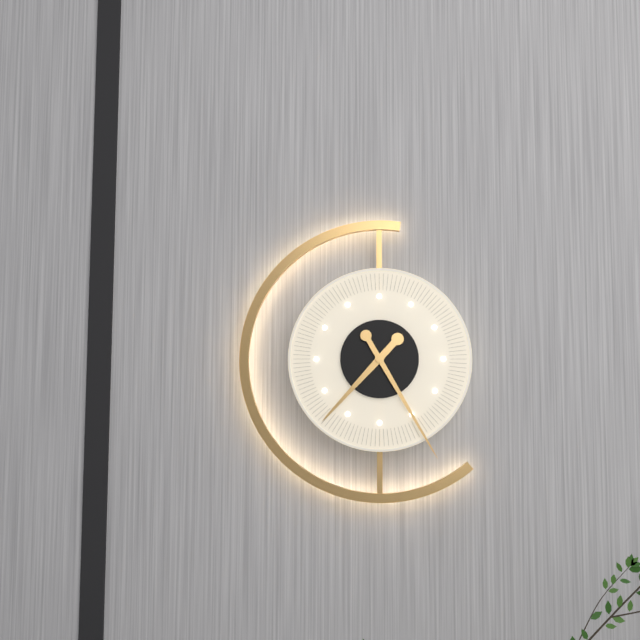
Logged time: 7:25
